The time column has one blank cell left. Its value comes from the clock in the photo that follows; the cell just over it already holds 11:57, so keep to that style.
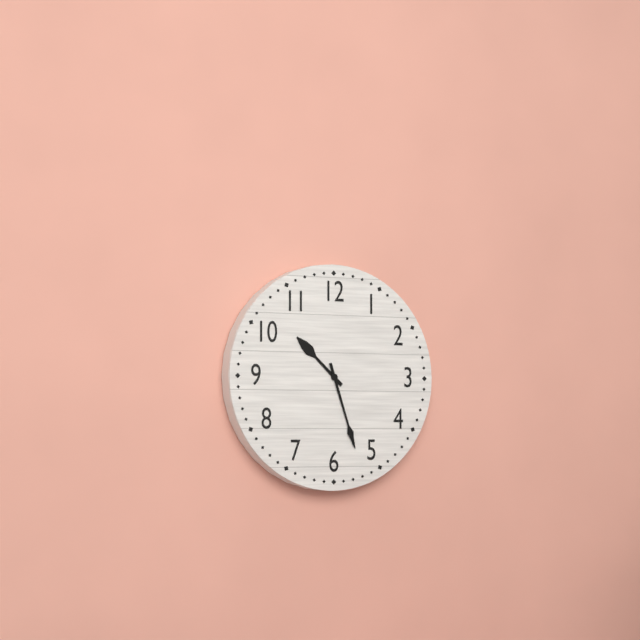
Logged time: 10:27
